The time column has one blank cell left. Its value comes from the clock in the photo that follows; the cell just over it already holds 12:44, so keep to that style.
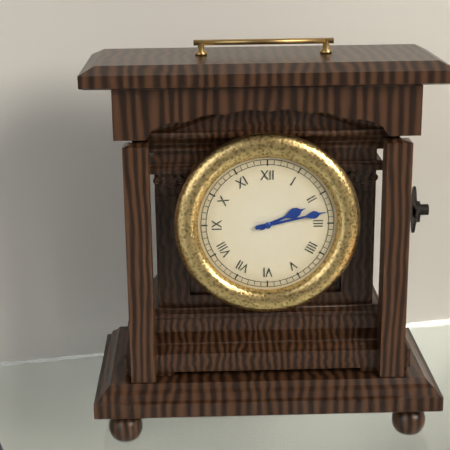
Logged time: 2:13
